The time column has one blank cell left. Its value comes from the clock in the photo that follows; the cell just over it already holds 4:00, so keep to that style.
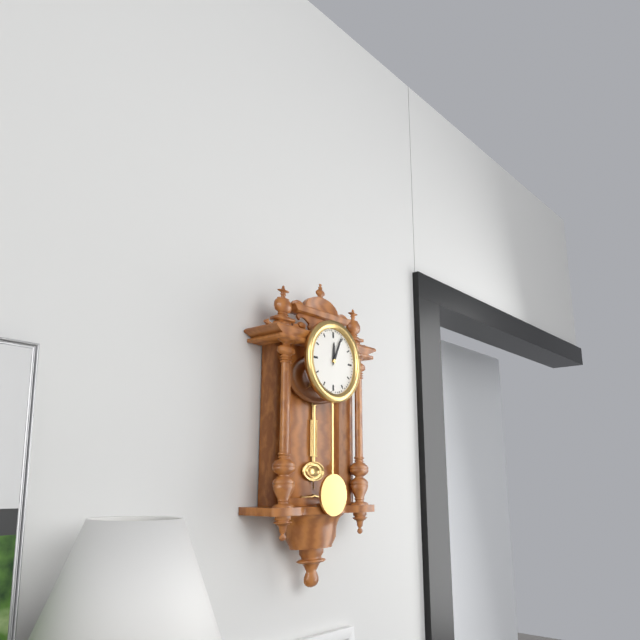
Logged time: 12:04
